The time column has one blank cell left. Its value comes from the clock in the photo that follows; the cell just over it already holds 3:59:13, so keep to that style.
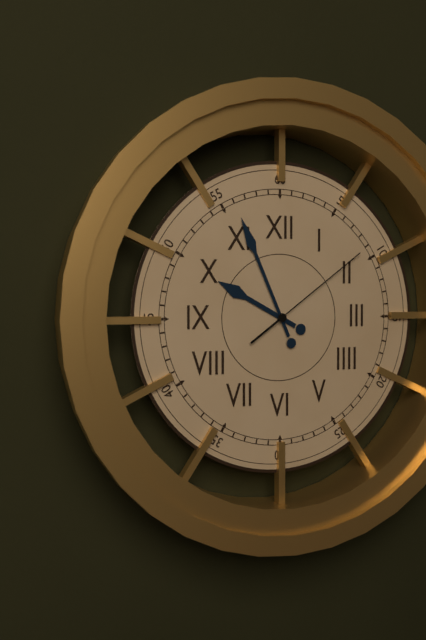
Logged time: 9:56:09
